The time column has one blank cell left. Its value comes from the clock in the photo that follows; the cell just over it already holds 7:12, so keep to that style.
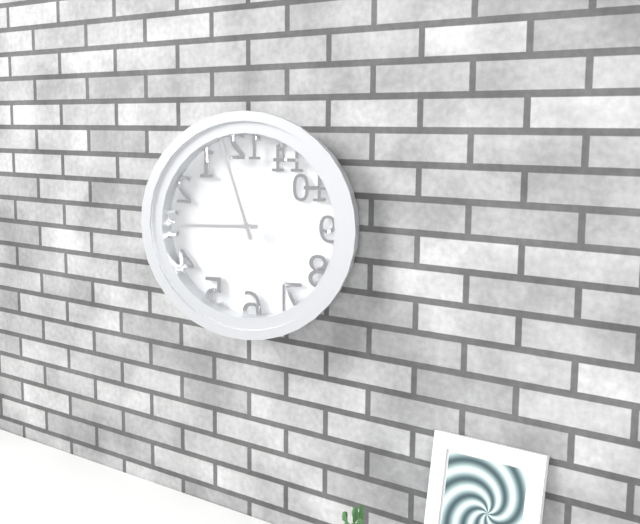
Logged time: 8:57
